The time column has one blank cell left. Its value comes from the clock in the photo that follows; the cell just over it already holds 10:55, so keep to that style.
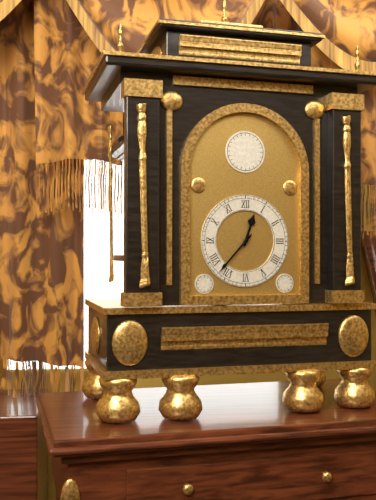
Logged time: 12:37
